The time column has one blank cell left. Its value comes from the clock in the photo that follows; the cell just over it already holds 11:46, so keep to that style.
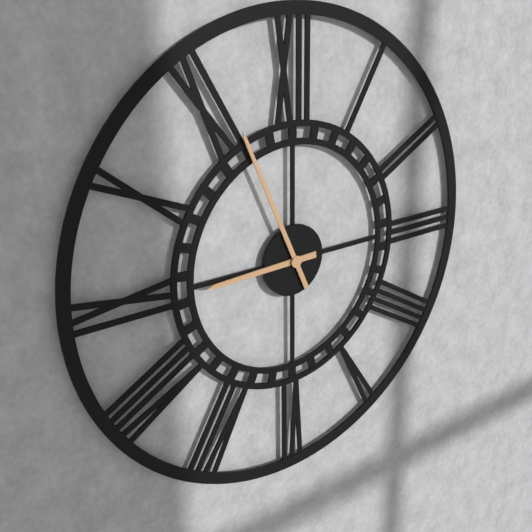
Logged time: 8:56
